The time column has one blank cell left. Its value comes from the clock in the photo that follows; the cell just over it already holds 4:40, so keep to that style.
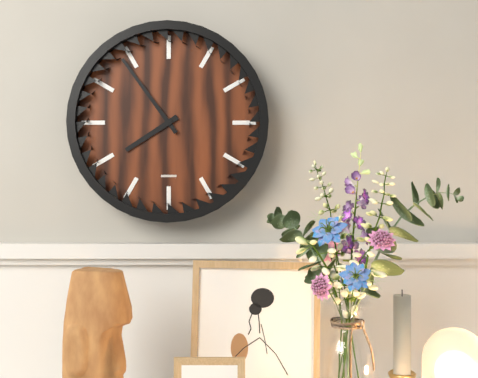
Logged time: 7:54
